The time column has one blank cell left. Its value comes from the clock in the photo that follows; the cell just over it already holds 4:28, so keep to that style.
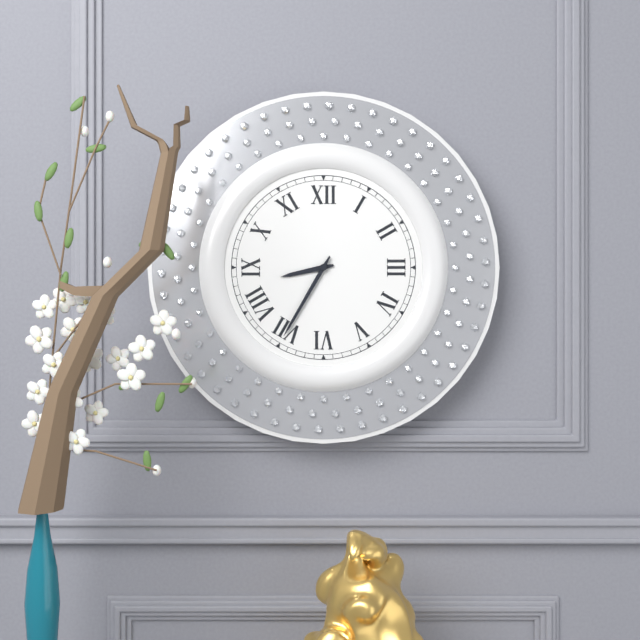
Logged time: 8:35
